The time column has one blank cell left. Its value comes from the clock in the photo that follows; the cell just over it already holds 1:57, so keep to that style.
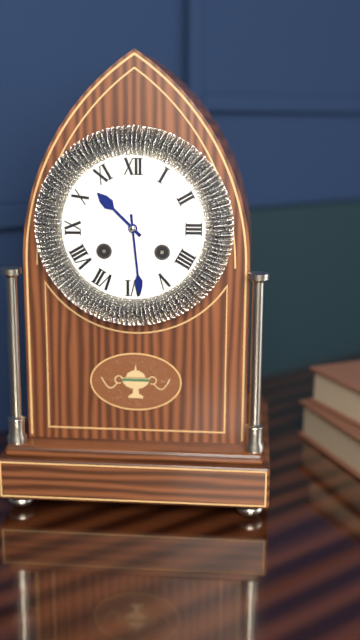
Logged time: 10:29
